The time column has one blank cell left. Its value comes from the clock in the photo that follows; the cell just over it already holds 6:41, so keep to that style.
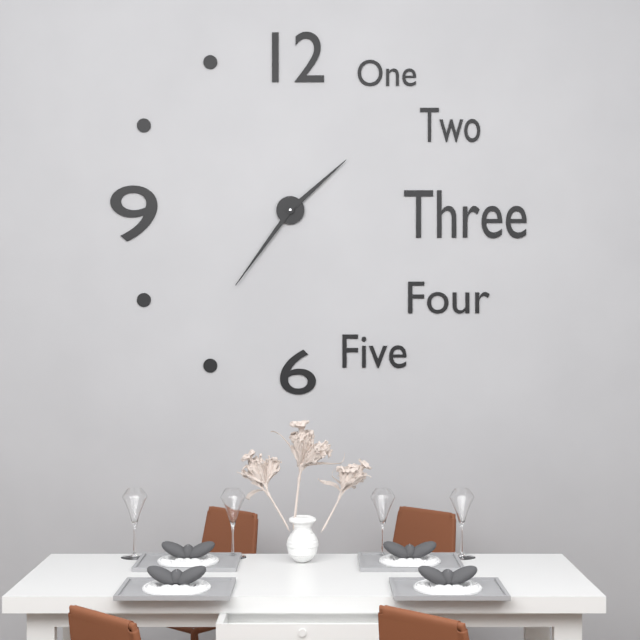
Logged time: 1:36
